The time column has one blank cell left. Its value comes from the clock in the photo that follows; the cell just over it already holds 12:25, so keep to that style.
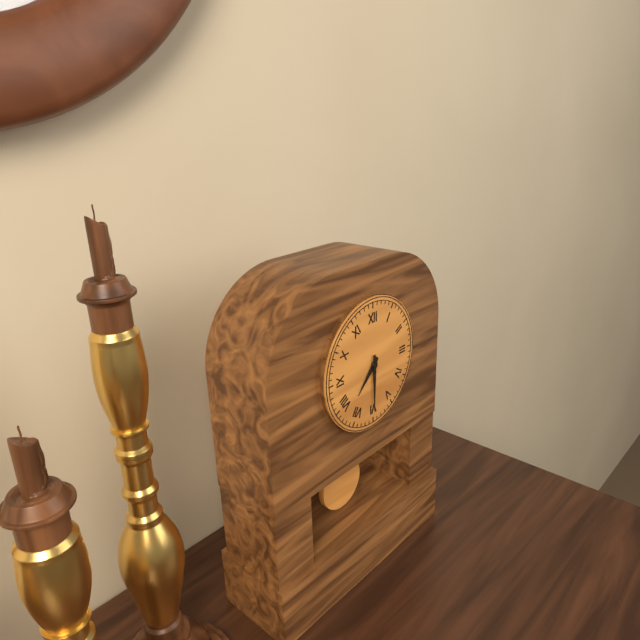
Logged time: 7:30
